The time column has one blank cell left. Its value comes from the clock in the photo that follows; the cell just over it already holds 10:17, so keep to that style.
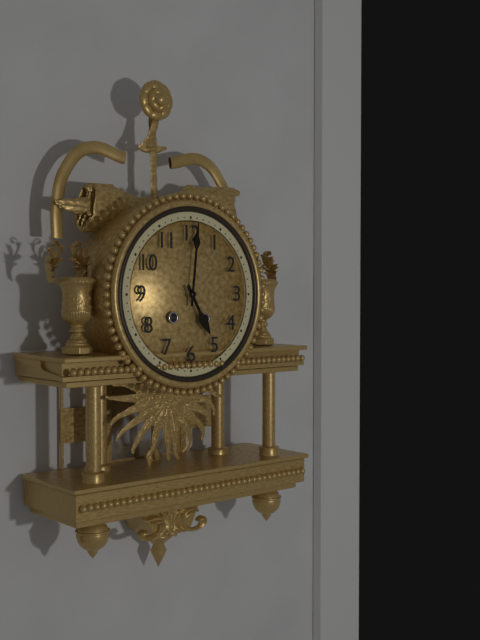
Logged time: 5:01
